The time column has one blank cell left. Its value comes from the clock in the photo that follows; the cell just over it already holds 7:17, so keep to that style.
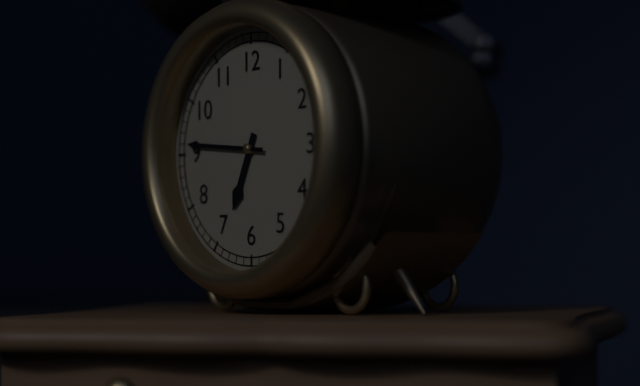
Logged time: 6:46
